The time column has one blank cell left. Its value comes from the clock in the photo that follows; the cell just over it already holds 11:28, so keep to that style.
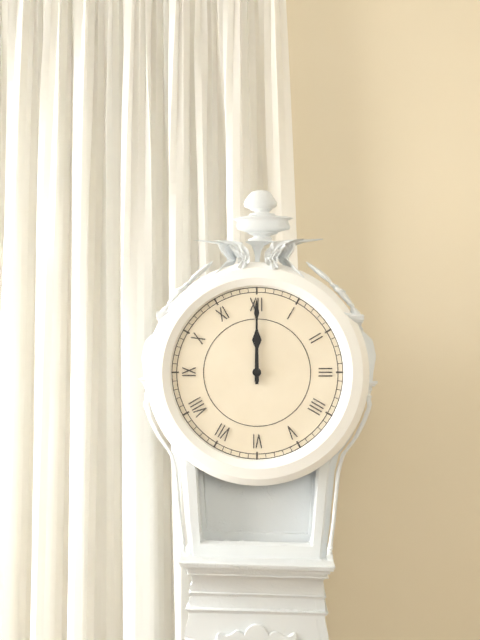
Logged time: 12:00
